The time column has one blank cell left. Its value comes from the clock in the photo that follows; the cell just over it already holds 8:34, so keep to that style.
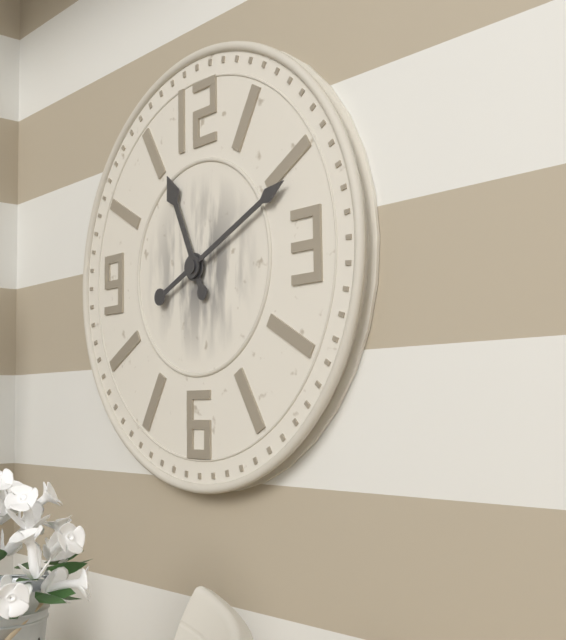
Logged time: 11:11
